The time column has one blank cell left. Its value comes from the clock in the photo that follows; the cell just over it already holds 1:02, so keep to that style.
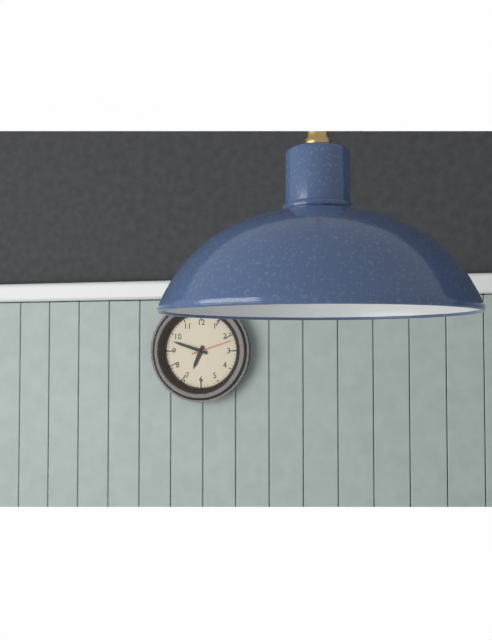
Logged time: 6:48
